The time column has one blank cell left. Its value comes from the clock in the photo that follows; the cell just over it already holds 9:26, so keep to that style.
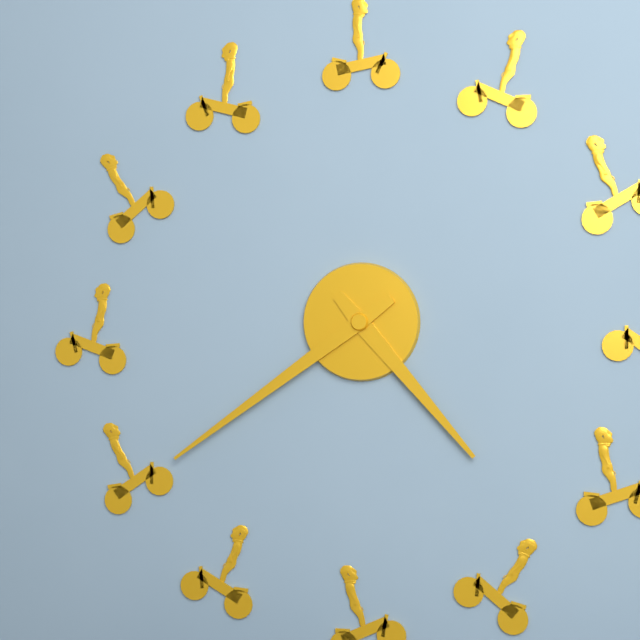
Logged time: 4:39
